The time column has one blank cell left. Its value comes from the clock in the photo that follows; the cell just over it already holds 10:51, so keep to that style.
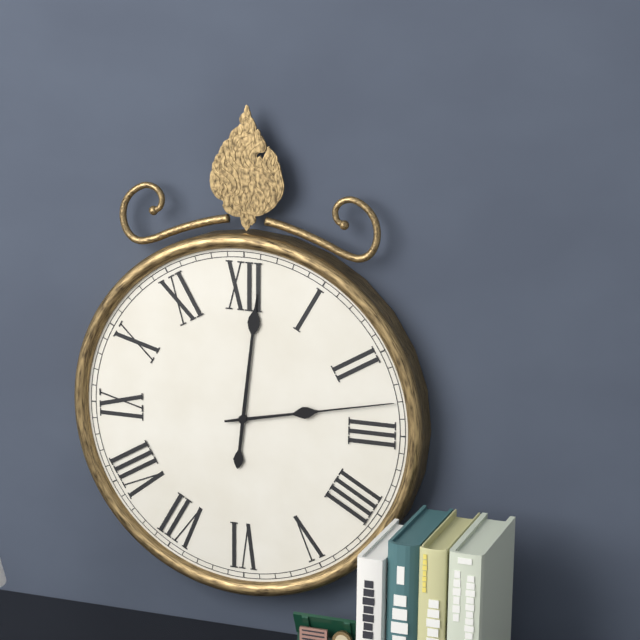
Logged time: 12:13
